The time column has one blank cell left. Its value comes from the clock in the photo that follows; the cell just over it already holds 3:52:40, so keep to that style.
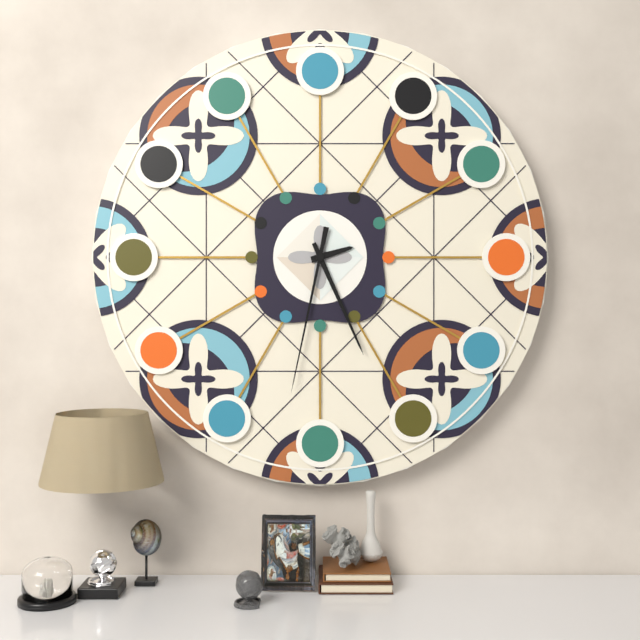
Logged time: 2:26:32
